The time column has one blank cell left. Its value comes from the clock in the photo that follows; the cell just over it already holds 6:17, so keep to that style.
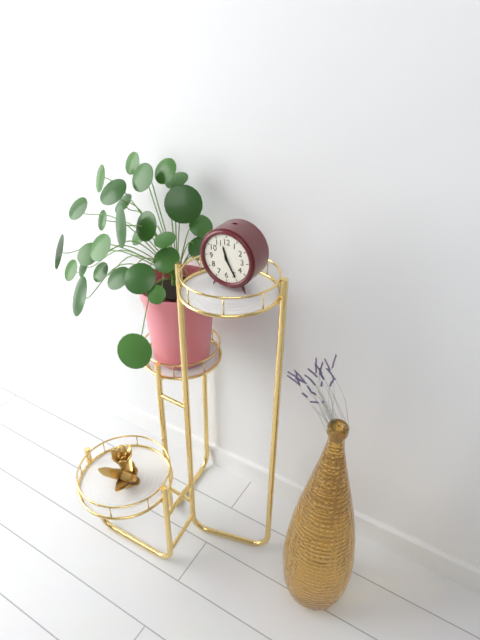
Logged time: 11:25
